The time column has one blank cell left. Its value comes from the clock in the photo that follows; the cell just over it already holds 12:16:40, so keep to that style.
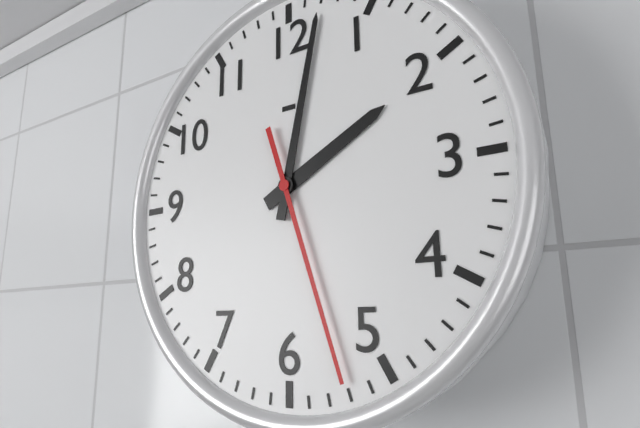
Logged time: 2:02:27
